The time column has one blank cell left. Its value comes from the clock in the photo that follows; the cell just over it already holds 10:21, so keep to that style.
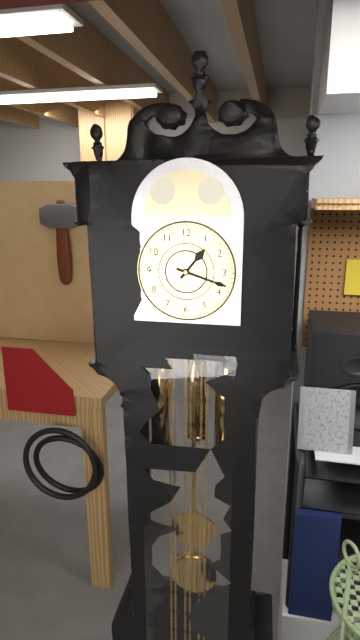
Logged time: 1:18
